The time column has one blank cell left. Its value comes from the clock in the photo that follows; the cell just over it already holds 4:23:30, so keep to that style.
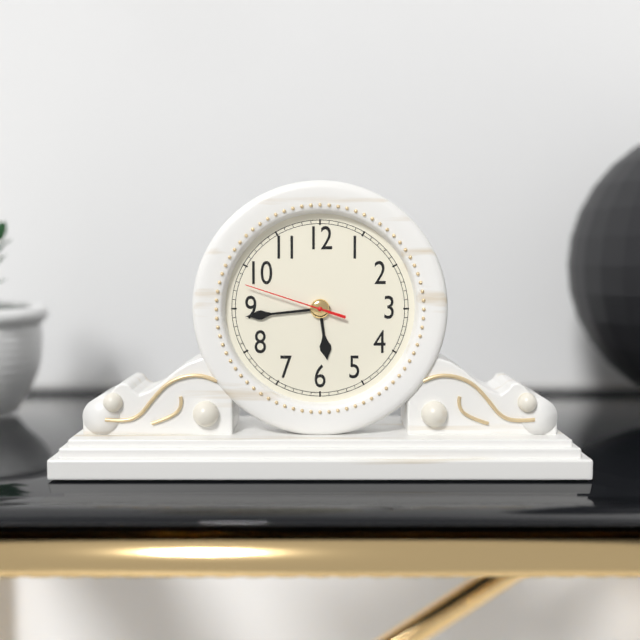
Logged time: 5:44:48
